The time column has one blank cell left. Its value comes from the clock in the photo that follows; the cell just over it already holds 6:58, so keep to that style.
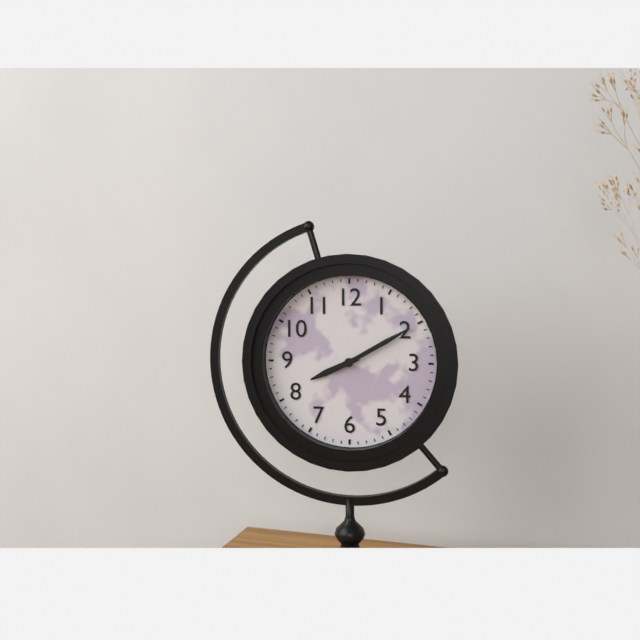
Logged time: 8:10
